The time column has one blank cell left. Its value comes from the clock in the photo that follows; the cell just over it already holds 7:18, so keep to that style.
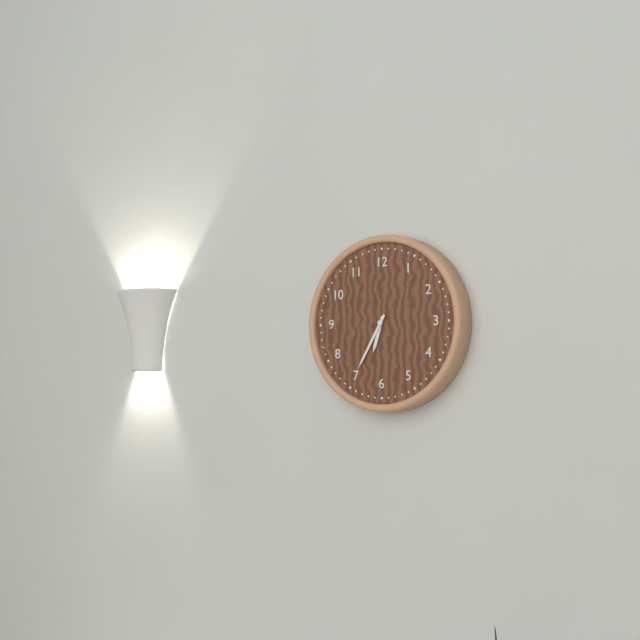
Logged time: 6:35
